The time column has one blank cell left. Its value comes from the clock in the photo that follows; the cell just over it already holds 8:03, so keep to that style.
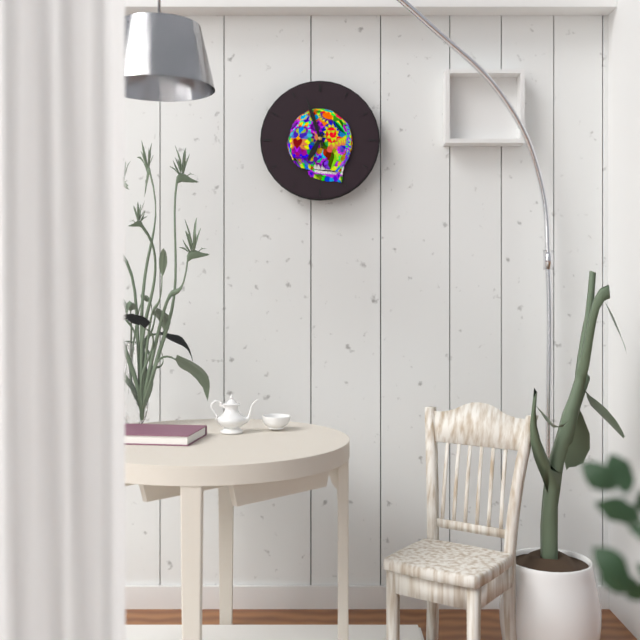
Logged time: 6:57
